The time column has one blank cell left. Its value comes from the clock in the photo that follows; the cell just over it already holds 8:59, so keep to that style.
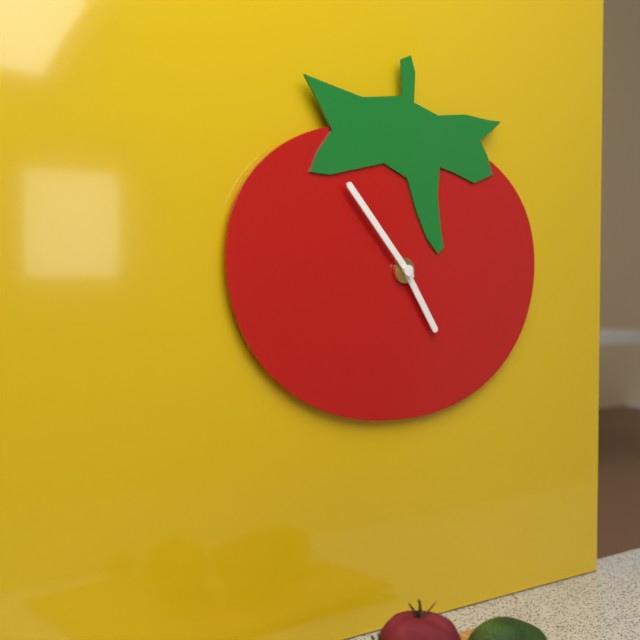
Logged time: 4:53
